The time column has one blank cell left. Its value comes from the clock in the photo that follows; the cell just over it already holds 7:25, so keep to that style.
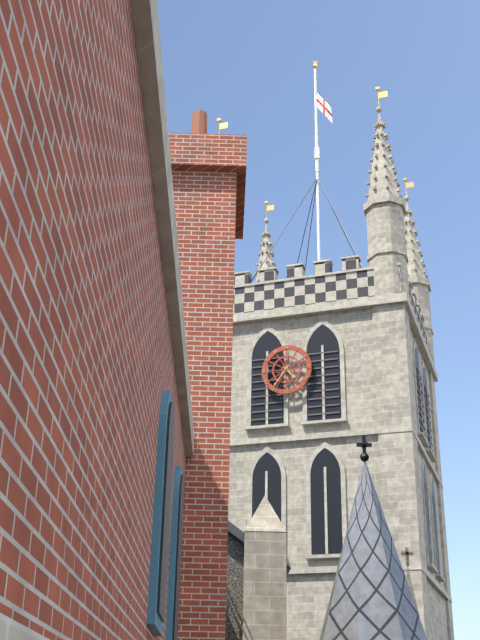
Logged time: 4:36
